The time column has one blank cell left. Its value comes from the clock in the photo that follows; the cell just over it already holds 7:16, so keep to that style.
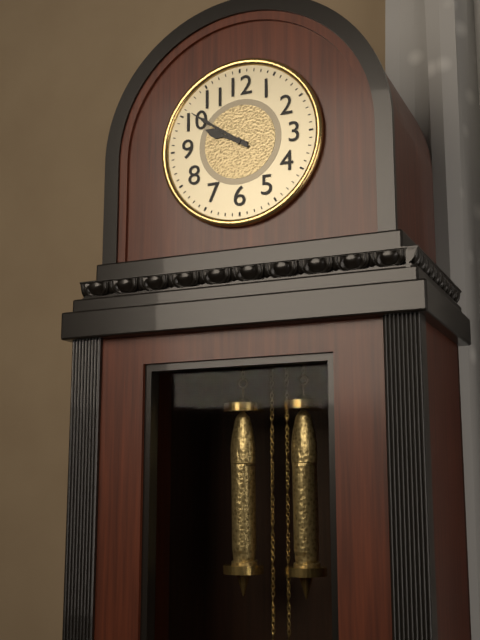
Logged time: 9:51
